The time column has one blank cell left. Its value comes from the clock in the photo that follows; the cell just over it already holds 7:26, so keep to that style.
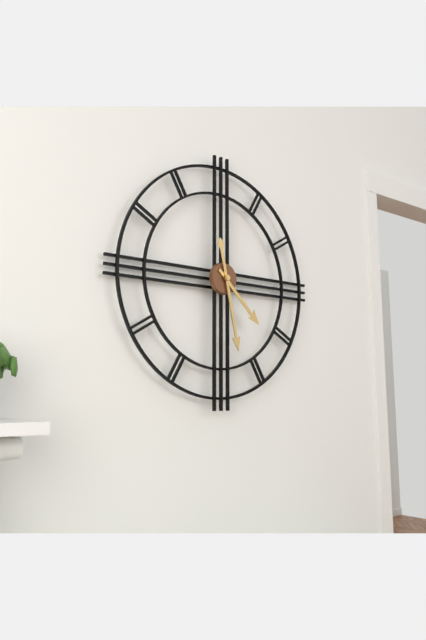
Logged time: 4:28
